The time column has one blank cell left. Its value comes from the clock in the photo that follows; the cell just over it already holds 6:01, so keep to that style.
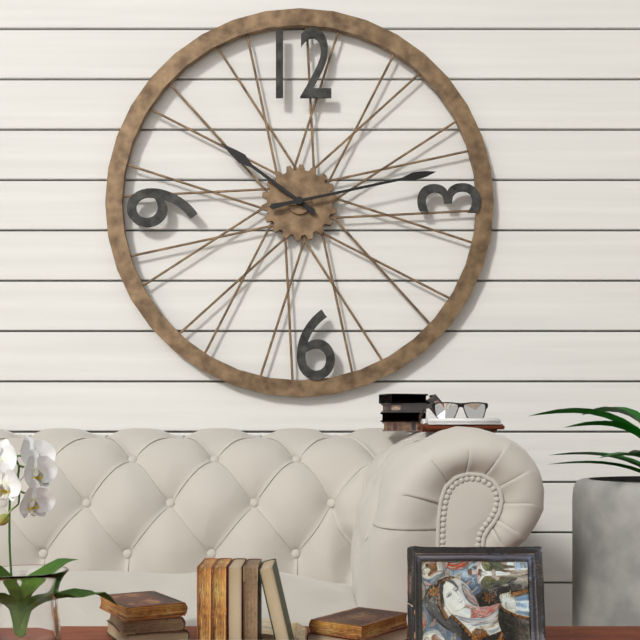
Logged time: 10:13
